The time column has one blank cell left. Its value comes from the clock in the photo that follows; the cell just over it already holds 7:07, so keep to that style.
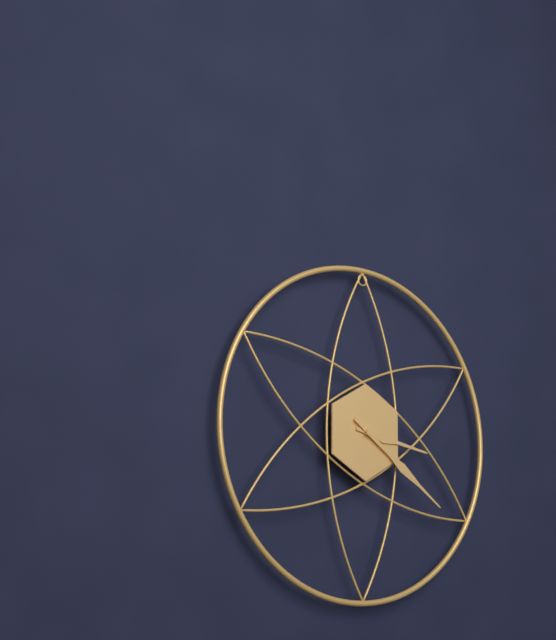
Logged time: 3:21
